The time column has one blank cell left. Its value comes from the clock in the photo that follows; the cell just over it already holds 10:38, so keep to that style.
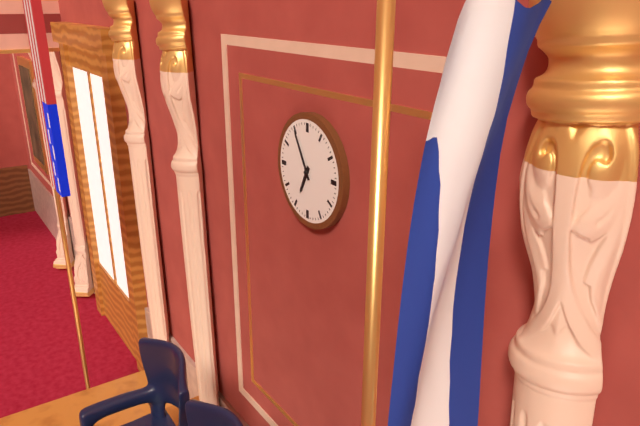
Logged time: 6:55
